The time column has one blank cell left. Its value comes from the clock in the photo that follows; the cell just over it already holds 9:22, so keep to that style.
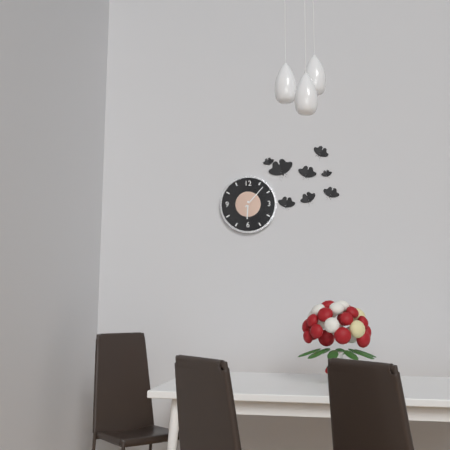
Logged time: 6:07
